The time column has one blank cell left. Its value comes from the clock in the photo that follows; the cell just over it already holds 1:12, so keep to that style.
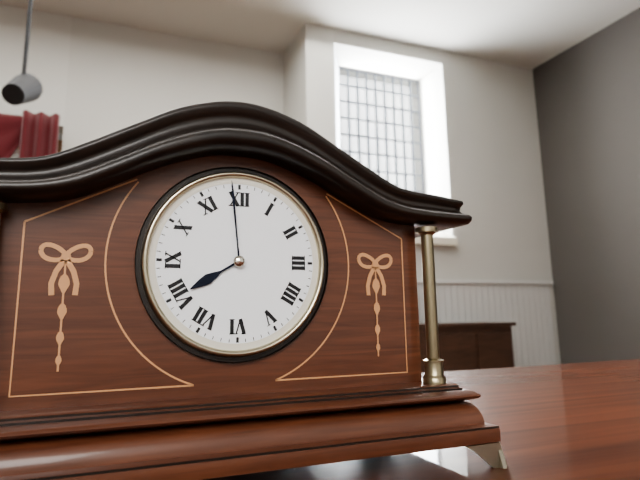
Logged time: 7:59
